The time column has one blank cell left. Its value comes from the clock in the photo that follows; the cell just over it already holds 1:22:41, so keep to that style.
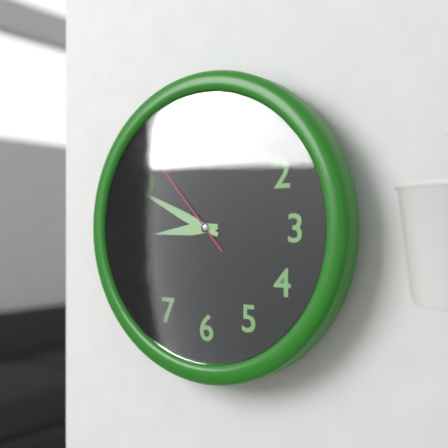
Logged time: 8:49:53
